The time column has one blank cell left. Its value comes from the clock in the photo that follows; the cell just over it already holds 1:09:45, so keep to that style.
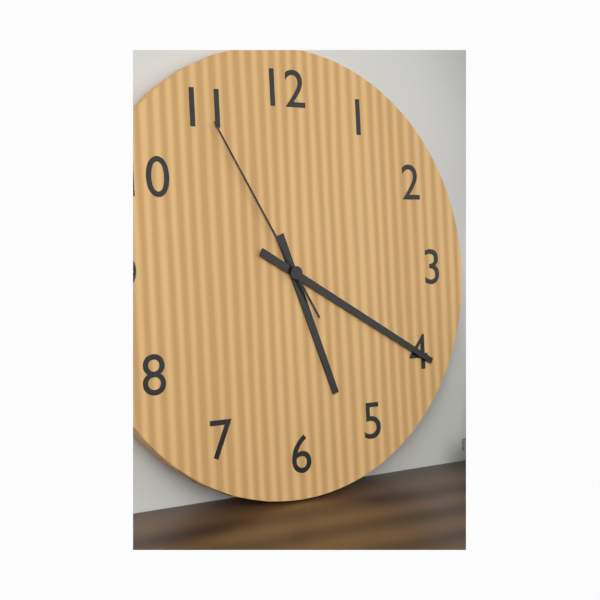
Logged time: 5:20:55
